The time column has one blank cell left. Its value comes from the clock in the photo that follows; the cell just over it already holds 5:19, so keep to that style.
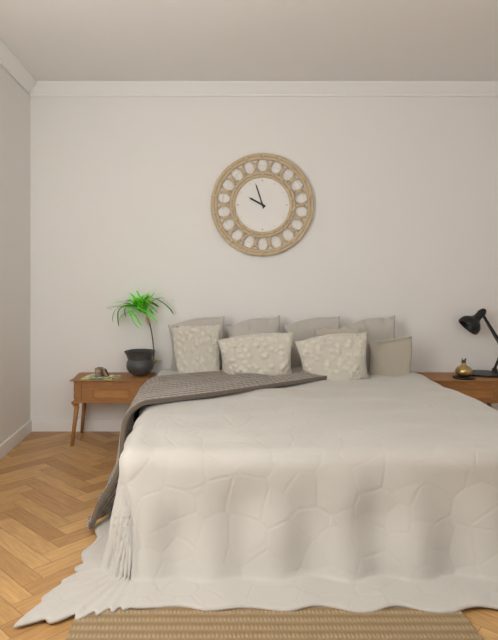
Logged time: 9:57
